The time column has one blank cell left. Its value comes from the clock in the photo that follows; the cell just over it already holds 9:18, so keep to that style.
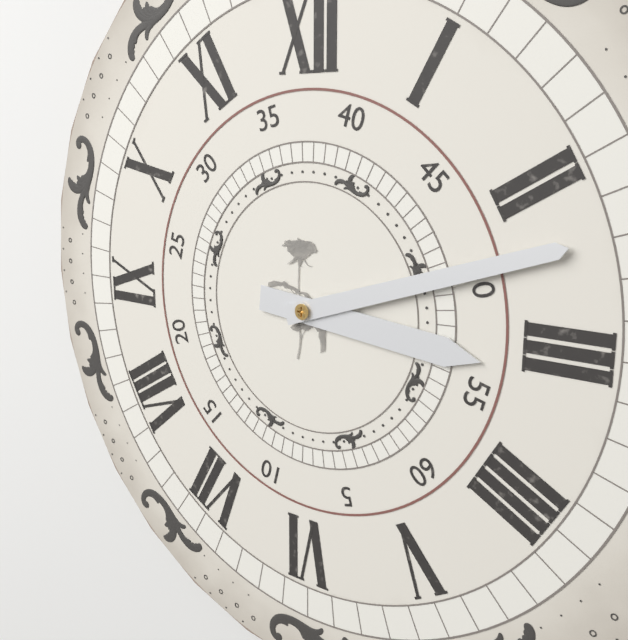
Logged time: 3:12
